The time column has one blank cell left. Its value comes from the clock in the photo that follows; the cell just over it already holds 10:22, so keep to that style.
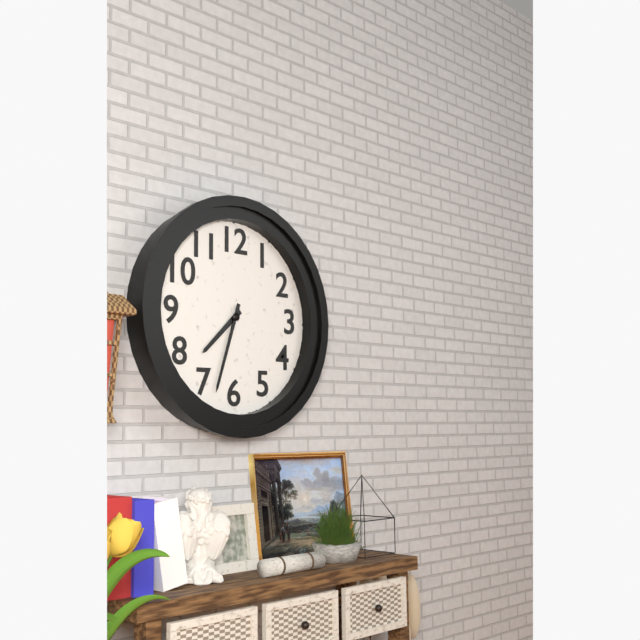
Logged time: 7:33
